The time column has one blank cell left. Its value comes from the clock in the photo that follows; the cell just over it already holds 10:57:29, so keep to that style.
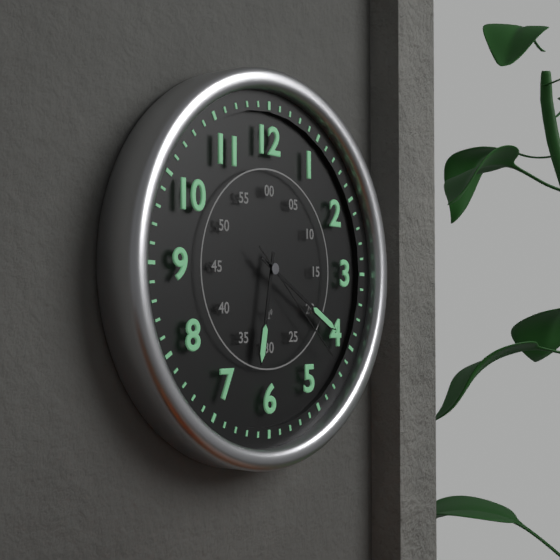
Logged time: 6:20:22
